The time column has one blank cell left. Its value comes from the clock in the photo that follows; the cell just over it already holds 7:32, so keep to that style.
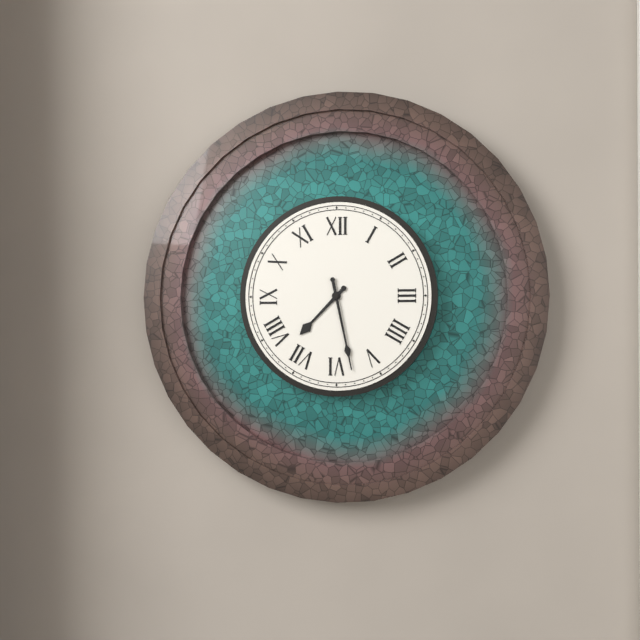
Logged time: 7:28
